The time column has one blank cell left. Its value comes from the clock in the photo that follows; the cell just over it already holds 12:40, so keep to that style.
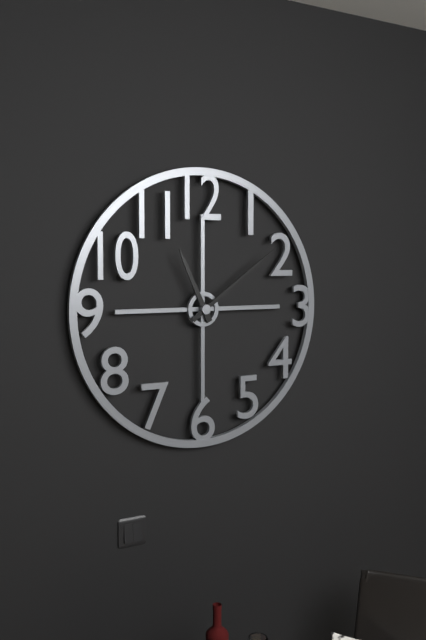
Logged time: 11:09
